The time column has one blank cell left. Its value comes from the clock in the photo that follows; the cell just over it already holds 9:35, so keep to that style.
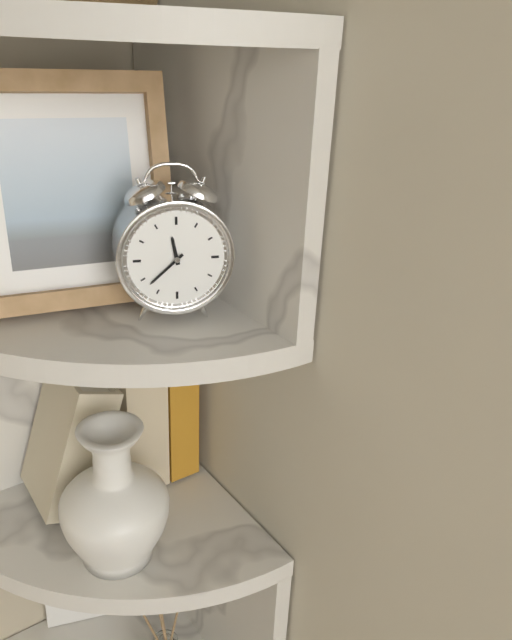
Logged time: 11:38
